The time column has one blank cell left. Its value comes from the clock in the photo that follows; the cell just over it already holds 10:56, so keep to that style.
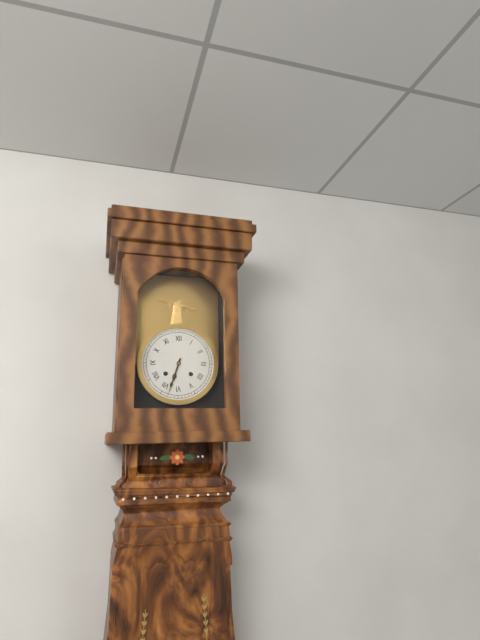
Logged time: 6:33
